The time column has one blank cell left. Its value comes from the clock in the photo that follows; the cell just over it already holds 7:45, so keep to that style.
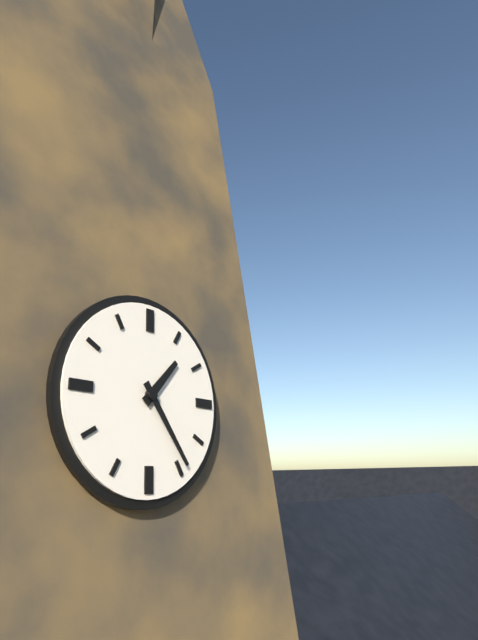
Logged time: 1:24
